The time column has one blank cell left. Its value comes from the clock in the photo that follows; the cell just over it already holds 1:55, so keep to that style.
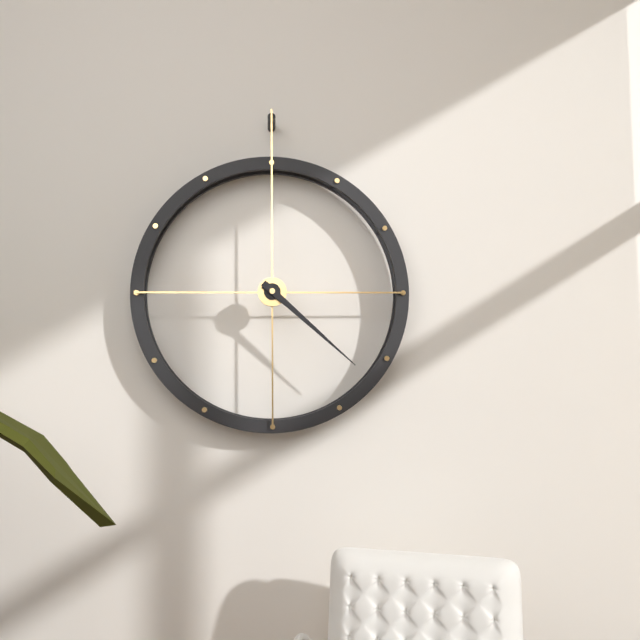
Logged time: 4:22
